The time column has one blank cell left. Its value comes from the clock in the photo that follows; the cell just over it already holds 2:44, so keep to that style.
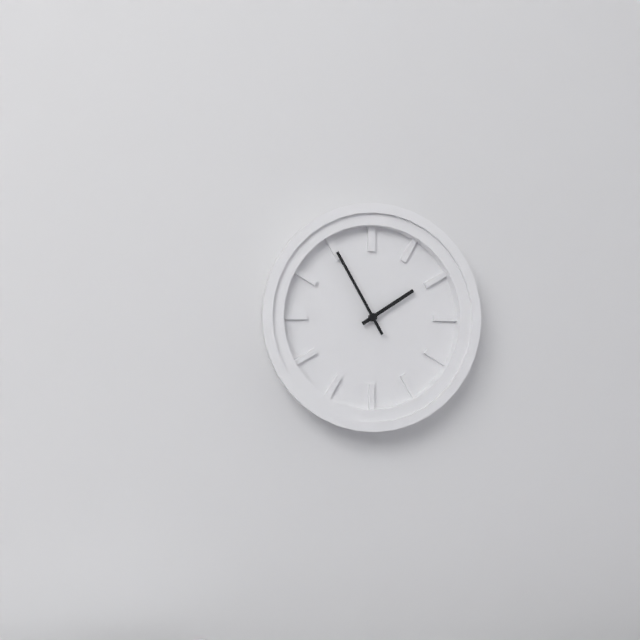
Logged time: 1:55
